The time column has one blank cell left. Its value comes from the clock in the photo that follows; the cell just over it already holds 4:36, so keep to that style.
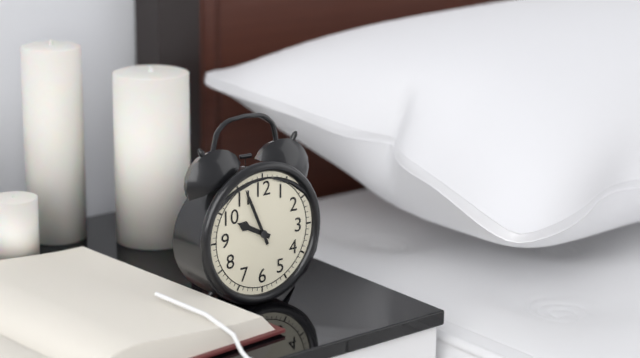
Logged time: 9:56
